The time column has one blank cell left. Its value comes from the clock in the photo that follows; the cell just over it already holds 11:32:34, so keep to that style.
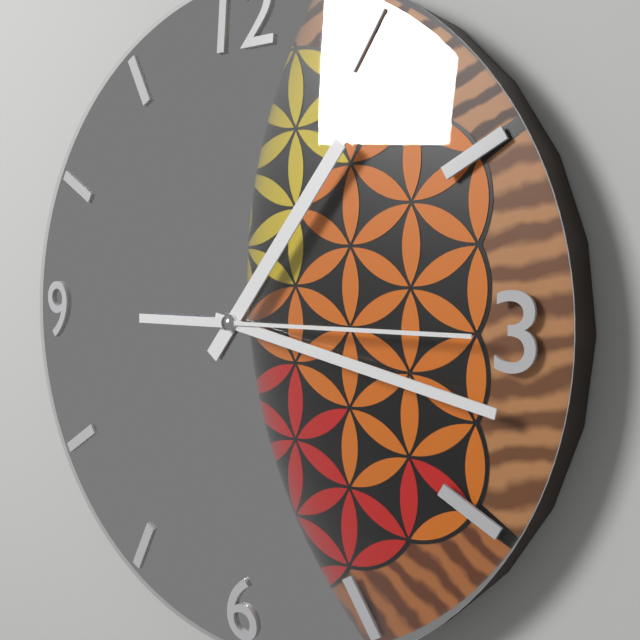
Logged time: 1:17:15
